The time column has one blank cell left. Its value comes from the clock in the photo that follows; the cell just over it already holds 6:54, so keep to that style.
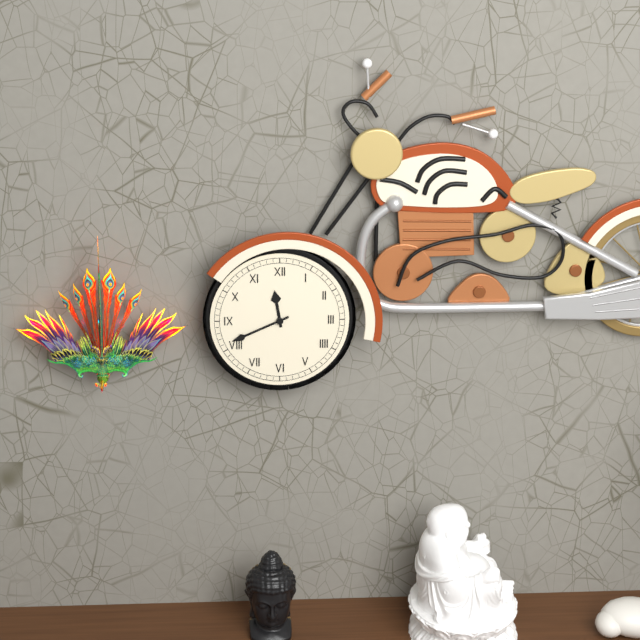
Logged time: 11:41
